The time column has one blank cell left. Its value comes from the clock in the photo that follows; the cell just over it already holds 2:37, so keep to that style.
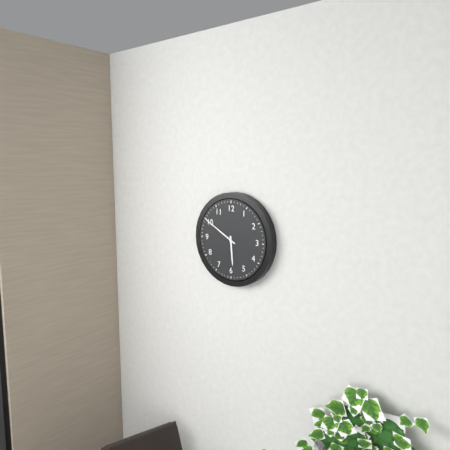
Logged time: 5:50
